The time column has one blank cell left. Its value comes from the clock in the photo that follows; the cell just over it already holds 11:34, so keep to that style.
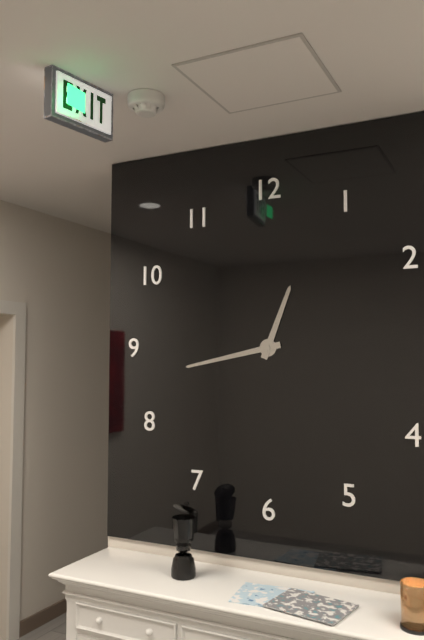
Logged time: 12:43
